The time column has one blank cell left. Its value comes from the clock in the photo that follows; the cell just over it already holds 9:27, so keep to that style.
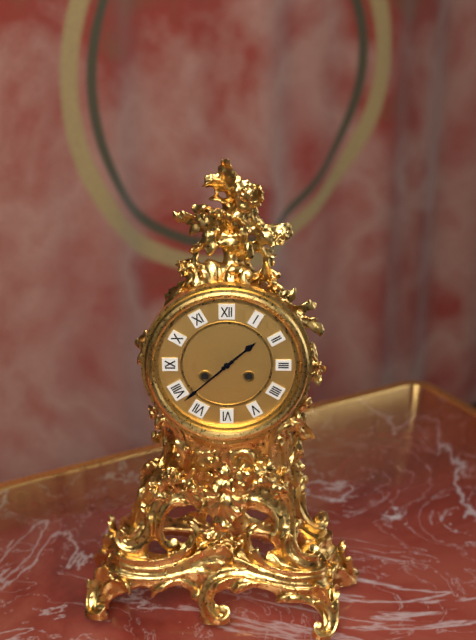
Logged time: 1:38
